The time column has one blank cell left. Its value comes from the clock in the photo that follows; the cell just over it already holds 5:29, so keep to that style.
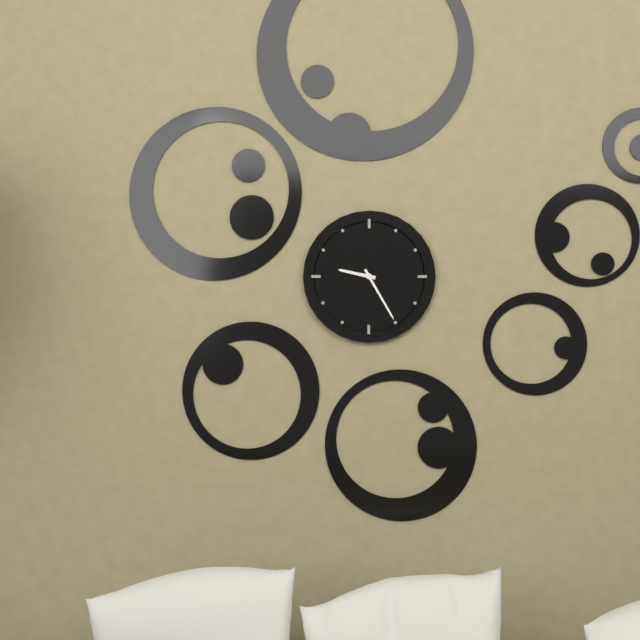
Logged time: 9:25
